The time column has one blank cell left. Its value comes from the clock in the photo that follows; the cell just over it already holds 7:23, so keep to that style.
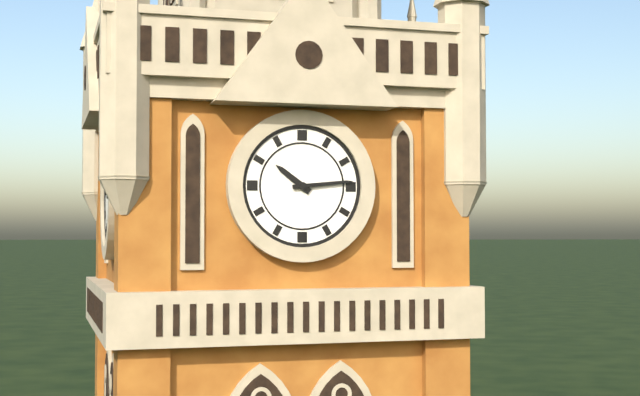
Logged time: 10:14
